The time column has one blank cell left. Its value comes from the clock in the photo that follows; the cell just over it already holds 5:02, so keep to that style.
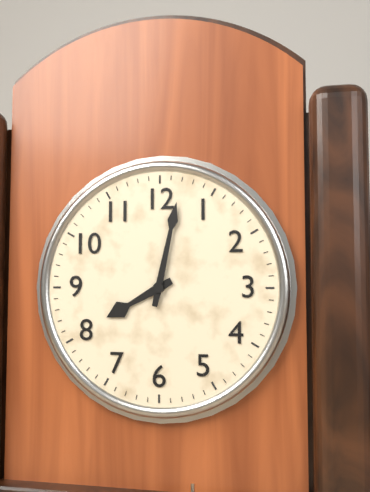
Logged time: 8:02
